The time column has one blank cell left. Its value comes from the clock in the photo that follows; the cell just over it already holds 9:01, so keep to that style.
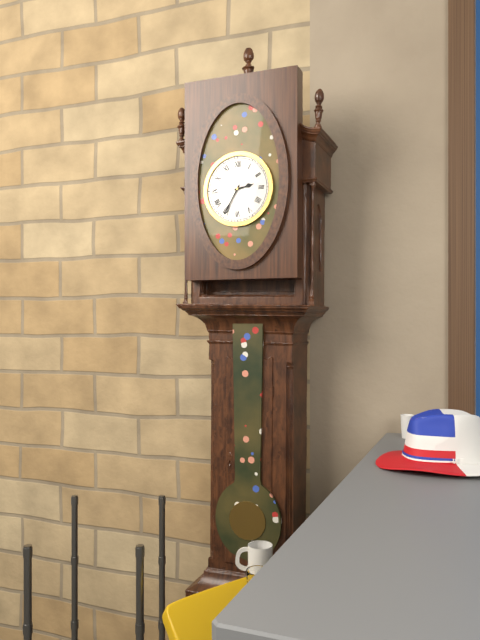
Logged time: 2:35
